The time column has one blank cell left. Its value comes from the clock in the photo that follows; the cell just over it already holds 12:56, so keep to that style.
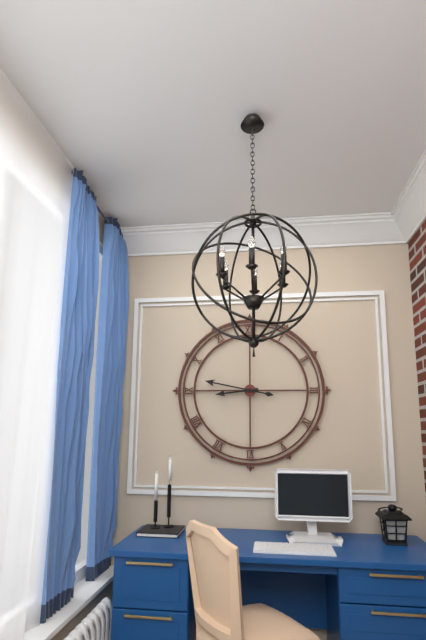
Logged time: 8:47
